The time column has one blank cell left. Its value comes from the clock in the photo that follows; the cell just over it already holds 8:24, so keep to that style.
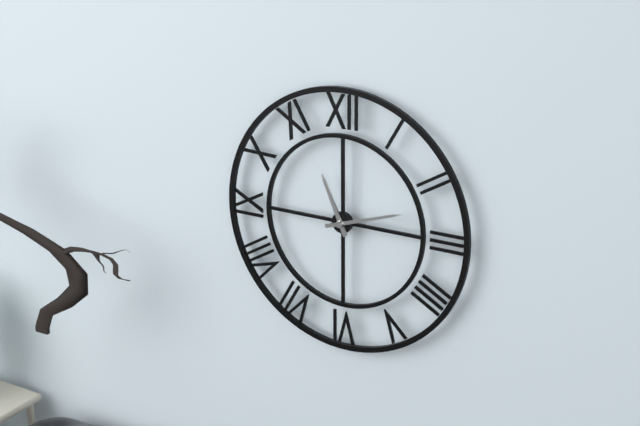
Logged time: 11:12
